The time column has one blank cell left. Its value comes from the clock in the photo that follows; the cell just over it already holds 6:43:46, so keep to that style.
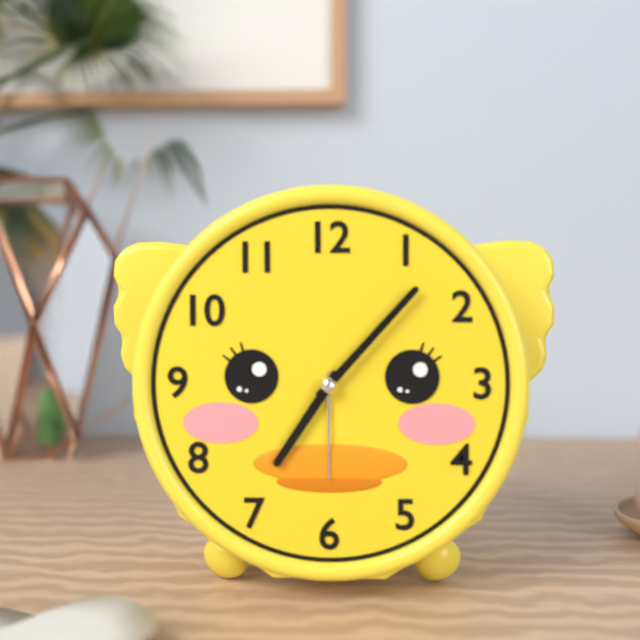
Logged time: 7:07:07
